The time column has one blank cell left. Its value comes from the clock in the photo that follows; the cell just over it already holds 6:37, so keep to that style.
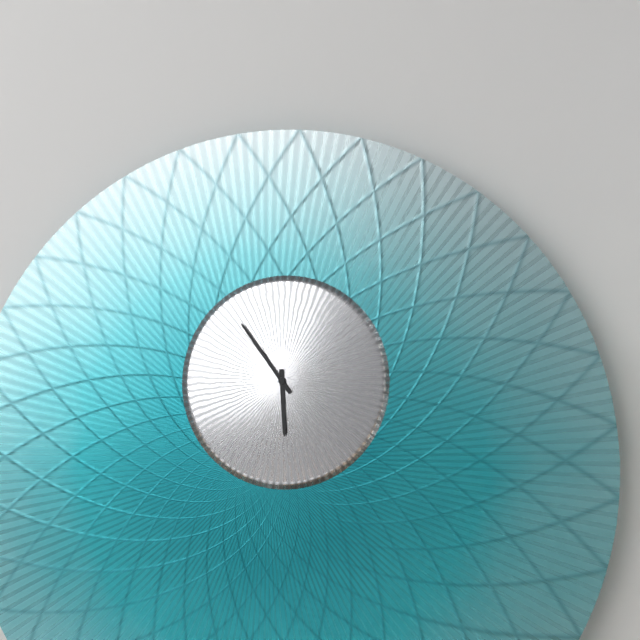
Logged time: 5:54
